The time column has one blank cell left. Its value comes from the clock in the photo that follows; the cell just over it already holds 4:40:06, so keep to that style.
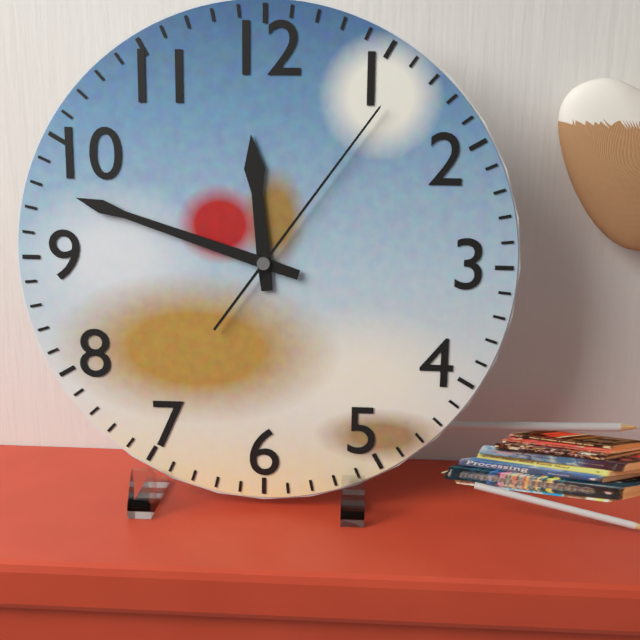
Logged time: 11:48:06
